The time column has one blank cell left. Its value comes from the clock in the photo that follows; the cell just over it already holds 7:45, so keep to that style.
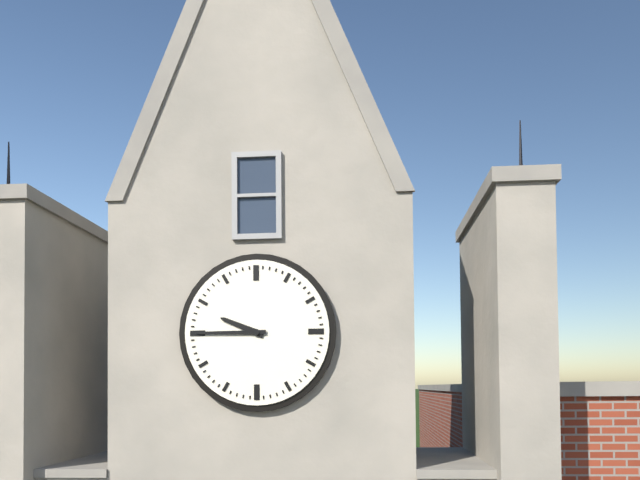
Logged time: 9:45
